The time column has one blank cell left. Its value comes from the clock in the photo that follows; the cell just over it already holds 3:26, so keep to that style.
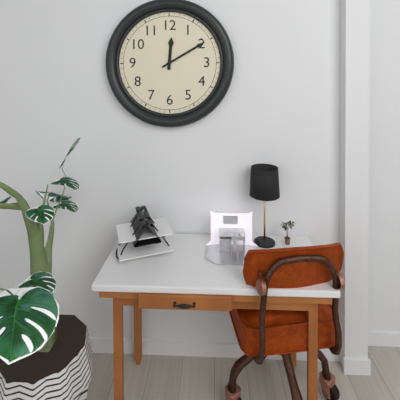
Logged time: 12:10
